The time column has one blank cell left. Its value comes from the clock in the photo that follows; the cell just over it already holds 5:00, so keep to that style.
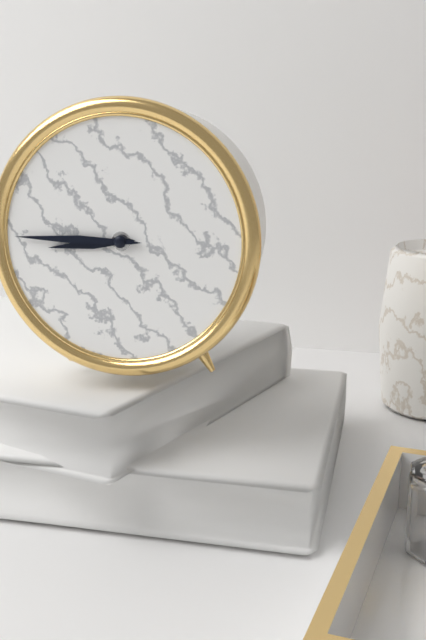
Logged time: 8:45
